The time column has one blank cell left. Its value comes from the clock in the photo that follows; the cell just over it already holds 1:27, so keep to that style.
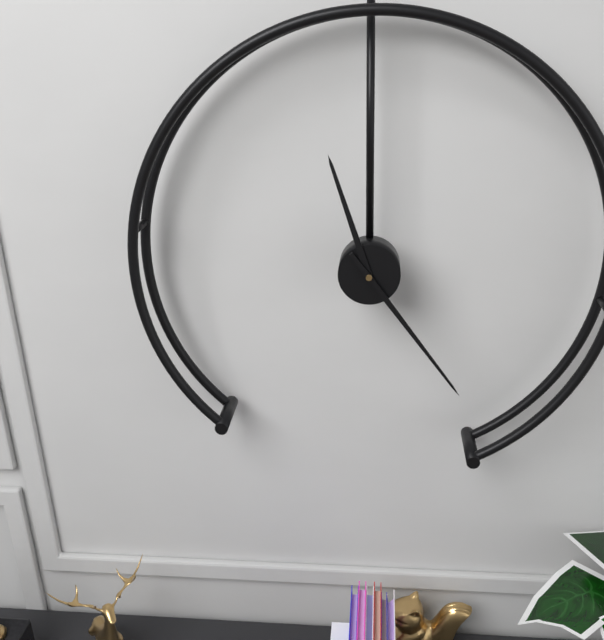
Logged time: 11:24
